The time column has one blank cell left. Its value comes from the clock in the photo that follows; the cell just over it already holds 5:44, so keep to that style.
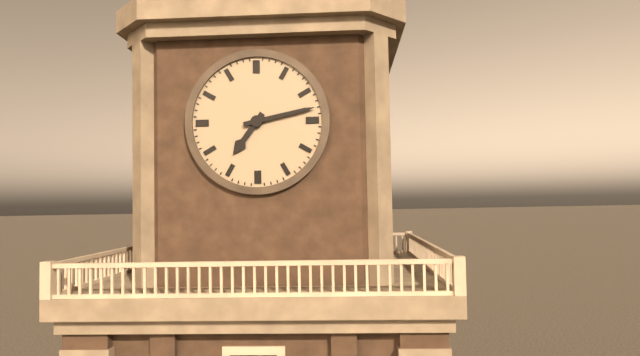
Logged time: 7:13
